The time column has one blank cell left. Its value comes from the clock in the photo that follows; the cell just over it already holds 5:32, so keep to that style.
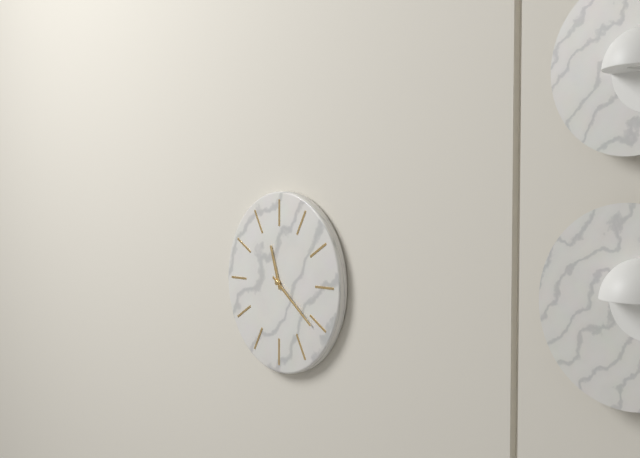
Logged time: 11:21
